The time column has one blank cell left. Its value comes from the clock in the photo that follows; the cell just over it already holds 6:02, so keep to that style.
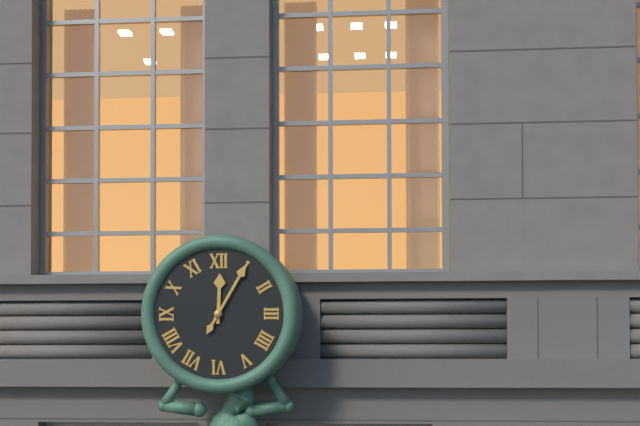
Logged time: 12:05
